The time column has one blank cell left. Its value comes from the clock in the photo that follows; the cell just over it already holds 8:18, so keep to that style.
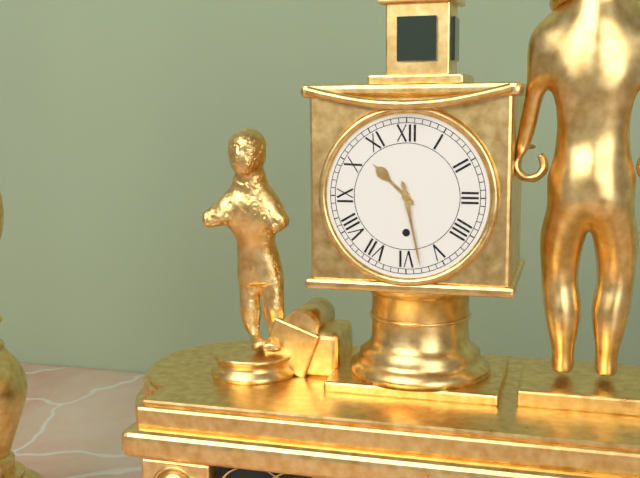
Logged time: 10:28
